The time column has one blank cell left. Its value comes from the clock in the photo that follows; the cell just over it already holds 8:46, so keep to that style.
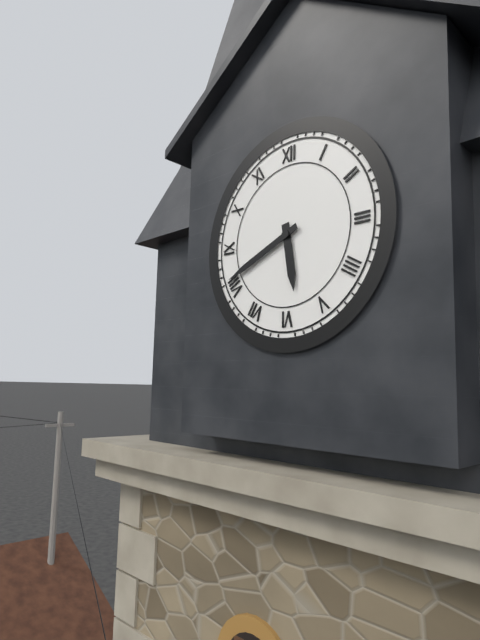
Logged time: 5:41
